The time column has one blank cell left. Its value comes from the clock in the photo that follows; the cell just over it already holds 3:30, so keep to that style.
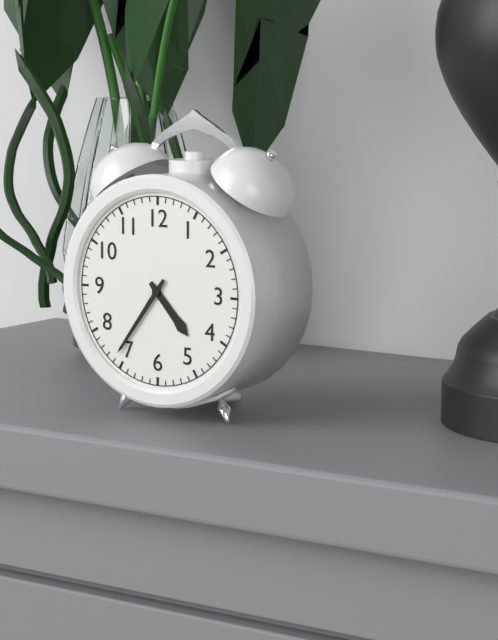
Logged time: 4:36
